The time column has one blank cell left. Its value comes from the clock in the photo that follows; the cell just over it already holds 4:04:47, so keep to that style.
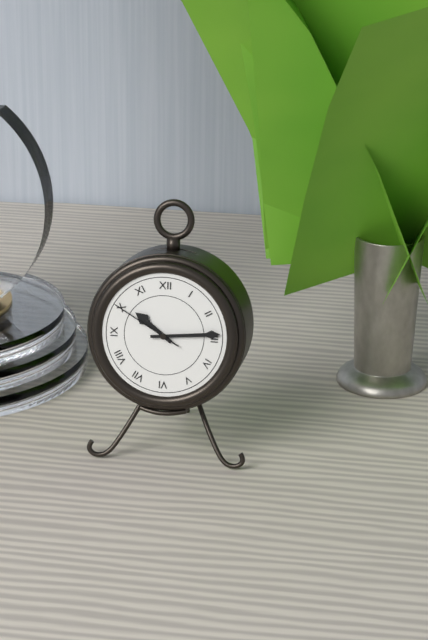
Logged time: 10:14:50
